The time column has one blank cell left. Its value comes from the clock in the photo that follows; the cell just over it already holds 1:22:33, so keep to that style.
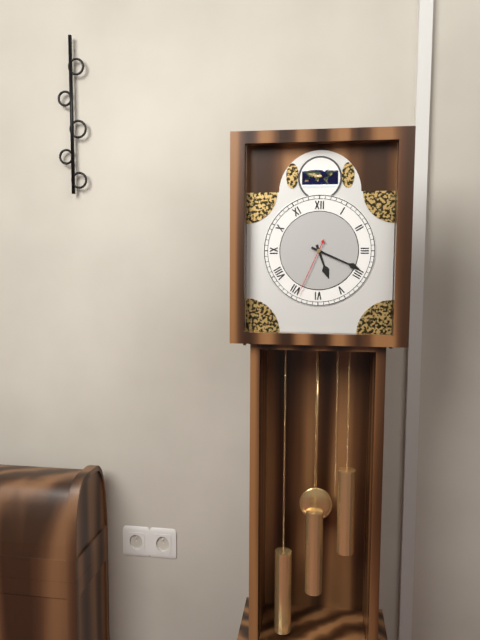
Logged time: 5:19:34
